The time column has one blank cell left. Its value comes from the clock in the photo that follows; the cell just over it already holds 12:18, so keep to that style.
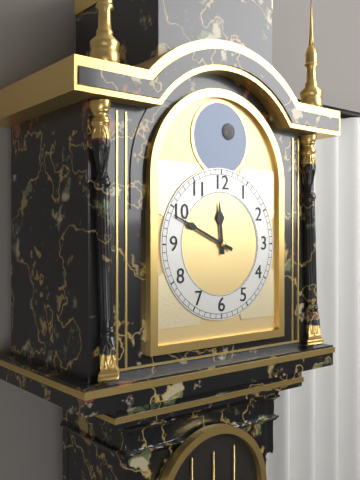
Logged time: 11:49
